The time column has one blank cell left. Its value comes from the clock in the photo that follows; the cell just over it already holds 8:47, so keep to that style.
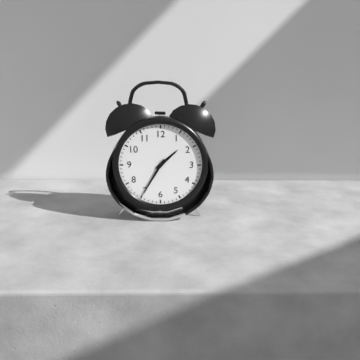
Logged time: 1:35
